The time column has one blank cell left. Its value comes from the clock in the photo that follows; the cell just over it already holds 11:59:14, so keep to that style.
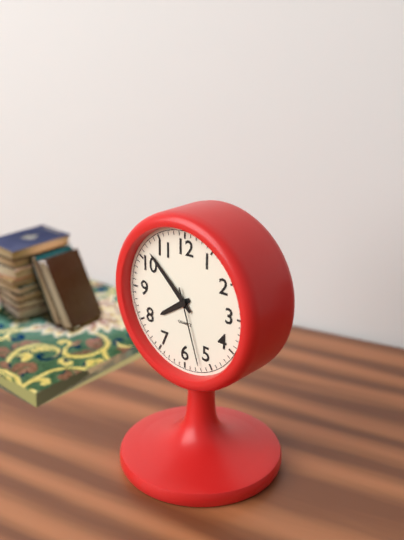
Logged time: 7:52:27
